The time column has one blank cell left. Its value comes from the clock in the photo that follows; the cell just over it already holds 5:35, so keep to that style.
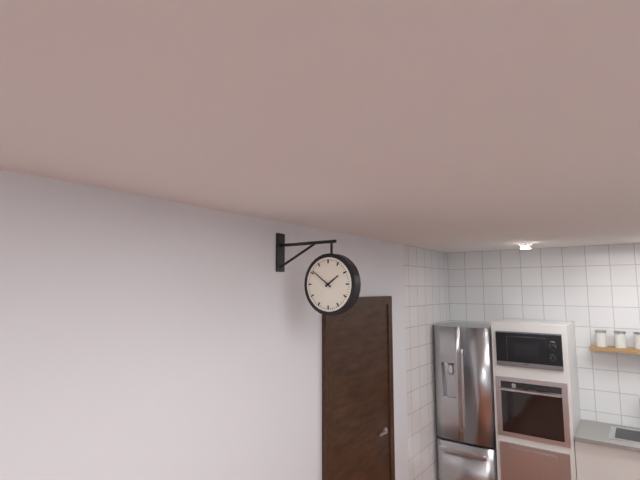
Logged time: 1:51
